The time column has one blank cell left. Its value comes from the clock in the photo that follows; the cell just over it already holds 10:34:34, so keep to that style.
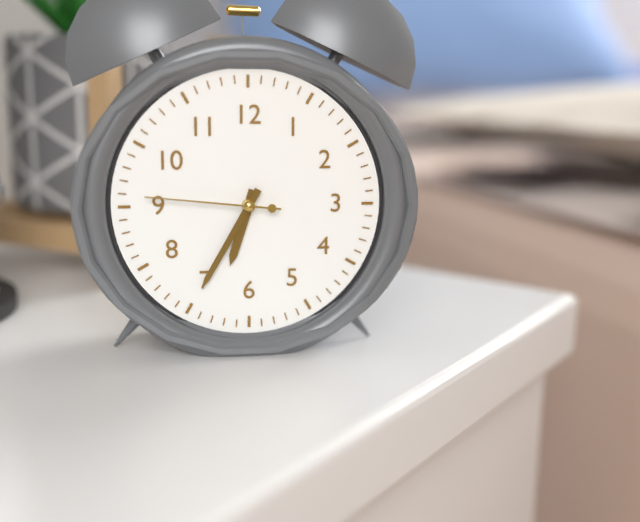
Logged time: 6:35:46
